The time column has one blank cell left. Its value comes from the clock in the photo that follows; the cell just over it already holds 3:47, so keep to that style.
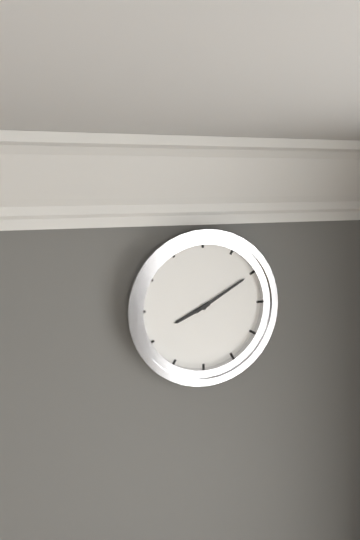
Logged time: 8:10
